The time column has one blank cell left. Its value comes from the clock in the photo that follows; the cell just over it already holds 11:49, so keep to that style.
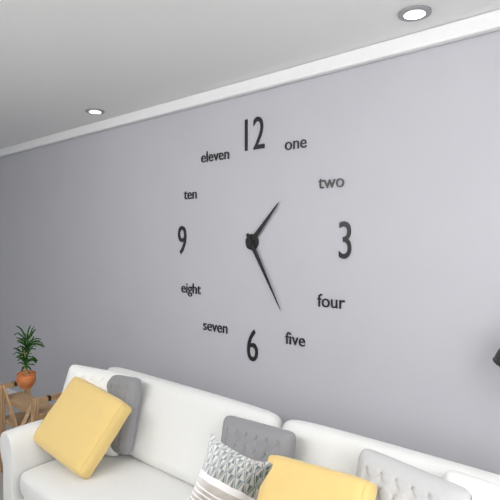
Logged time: 1:25
